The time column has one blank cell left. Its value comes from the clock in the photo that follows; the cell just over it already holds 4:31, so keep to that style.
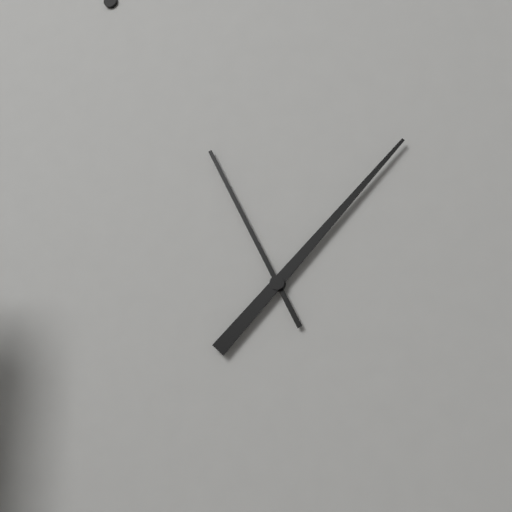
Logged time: 11:07
